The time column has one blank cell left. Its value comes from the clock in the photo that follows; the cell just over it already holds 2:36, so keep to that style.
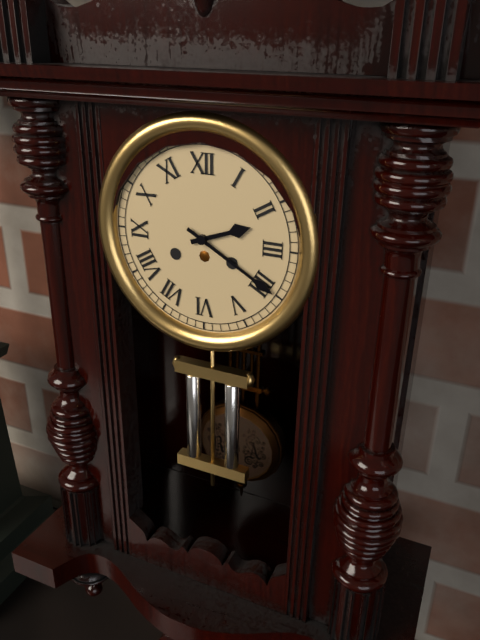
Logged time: 2:20
